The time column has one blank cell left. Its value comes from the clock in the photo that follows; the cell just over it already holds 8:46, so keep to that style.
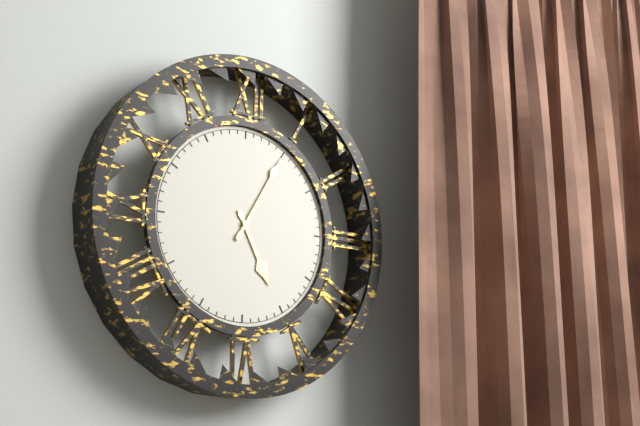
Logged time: 5:05
